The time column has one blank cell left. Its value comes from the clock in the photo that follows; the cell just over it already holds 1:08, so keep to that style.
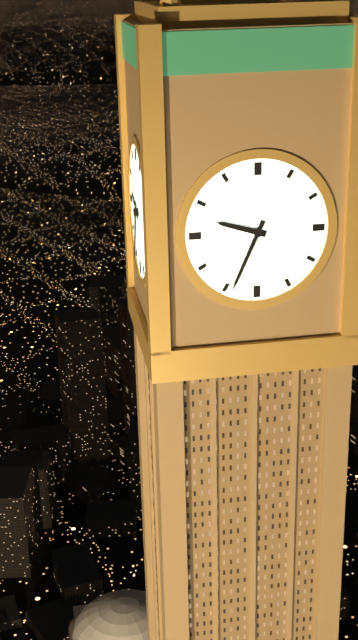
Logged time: 9:34
